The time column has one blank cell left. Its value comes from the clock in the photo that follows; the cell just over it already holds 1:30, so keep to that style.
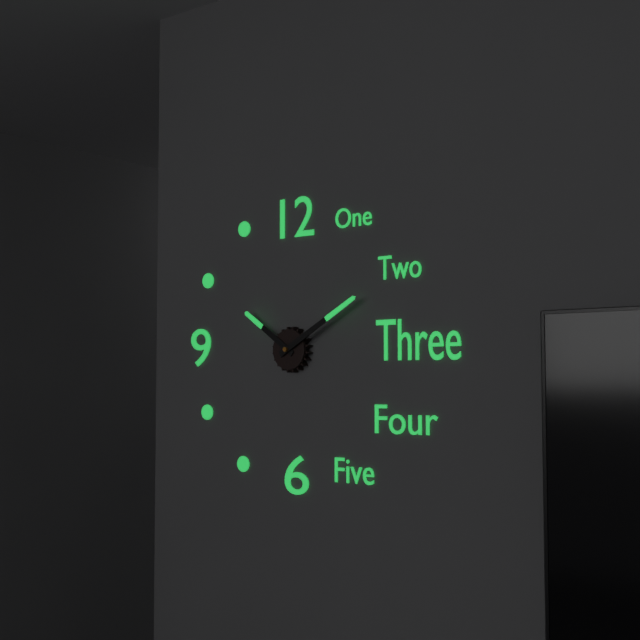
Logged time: 10:10
